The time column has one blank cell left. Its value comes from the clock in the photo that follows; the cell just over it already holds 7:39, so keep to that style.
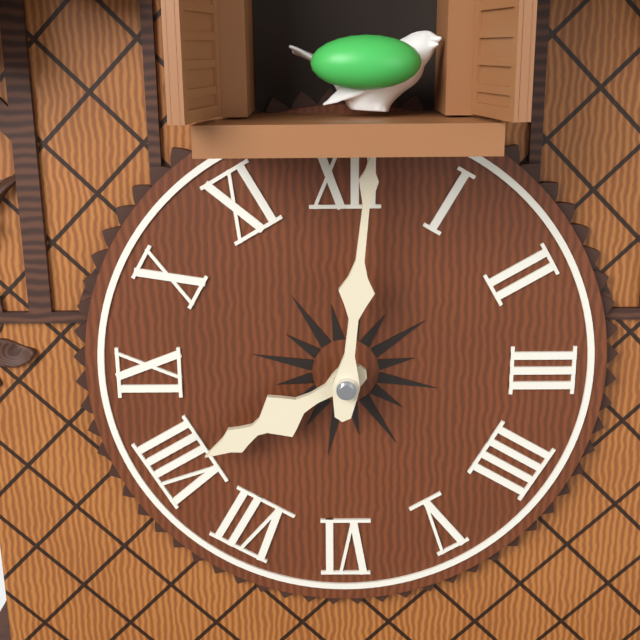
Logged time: 8:01
